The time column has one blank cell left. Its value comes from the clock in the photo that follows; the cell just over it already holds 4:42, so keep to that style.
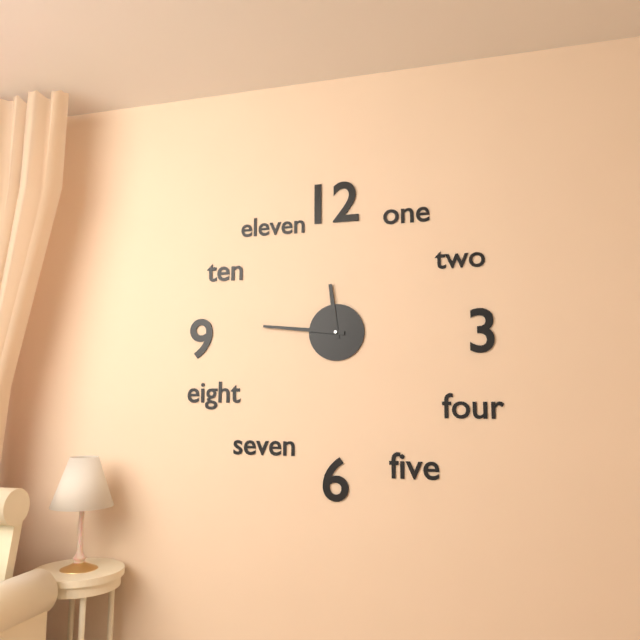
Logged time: 11:46
